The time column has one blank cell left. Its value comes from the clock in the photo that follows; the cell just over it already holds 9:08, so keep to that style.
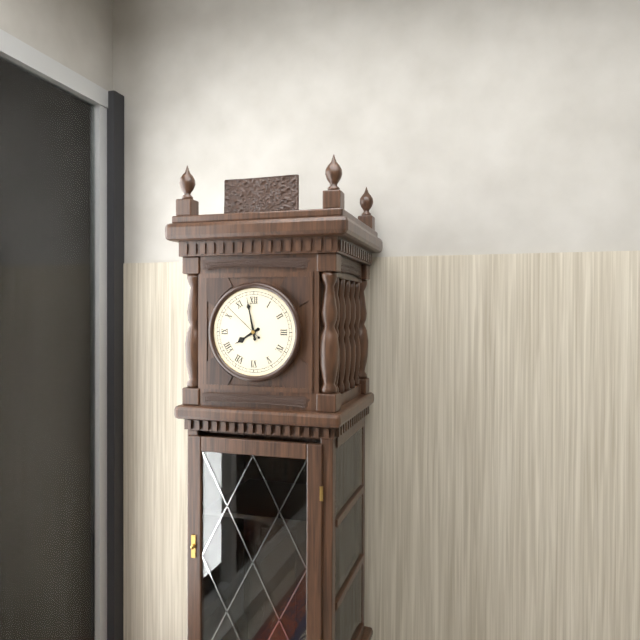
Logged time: 7:58
